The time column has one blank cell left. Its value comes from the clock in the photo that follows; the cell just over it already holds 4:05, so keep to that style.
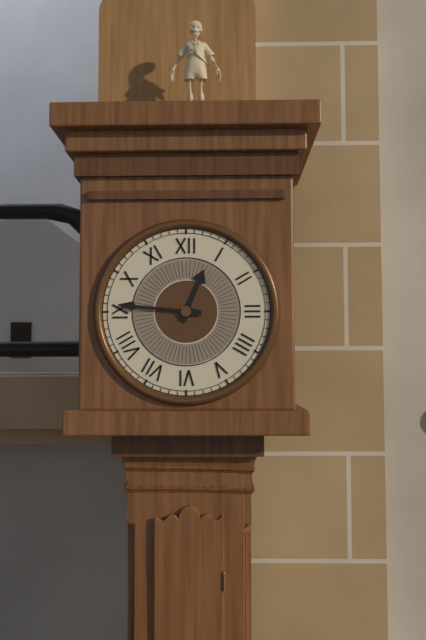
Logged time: 12:46
